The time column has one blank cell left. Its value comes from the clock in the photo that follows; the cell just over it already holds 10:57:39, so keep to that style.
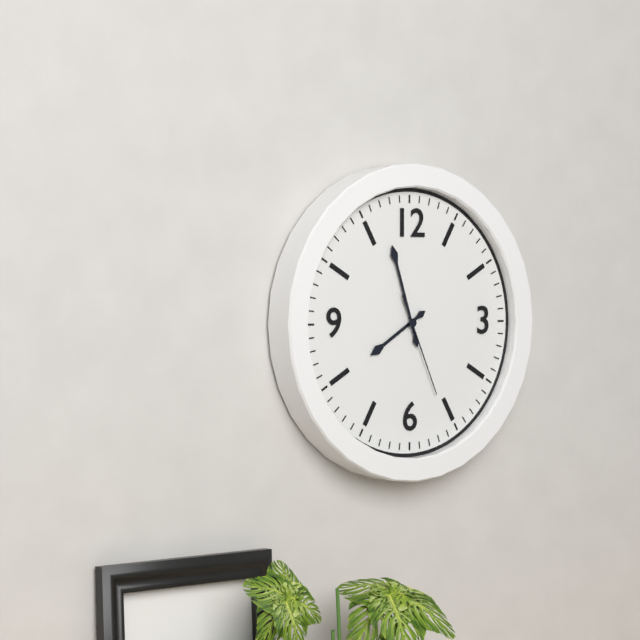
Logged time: 7:57:26
